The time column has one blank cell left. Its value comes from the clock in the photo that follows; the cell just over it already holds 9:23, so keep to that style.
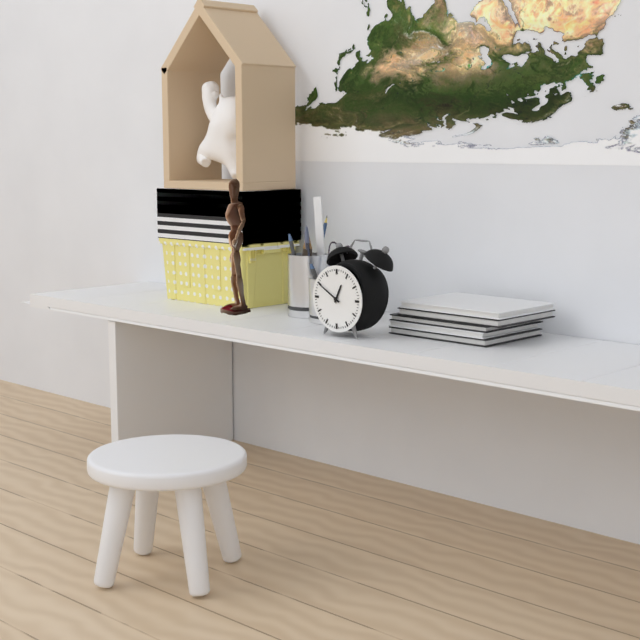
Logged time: 12:50
